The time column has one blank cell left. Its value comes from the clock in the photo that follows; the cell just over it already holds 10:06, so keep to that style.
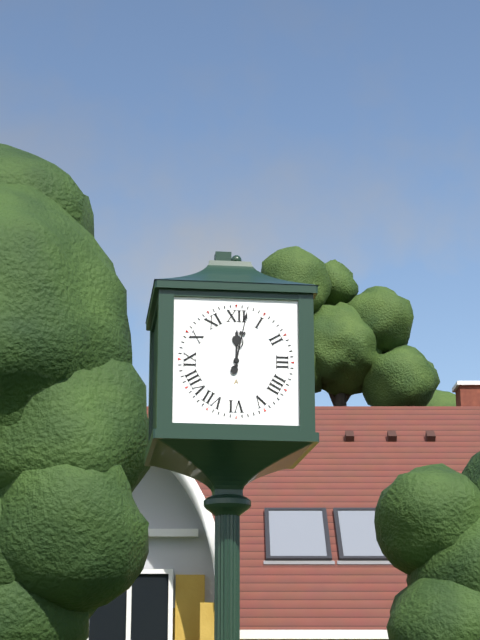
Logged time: 12:02
